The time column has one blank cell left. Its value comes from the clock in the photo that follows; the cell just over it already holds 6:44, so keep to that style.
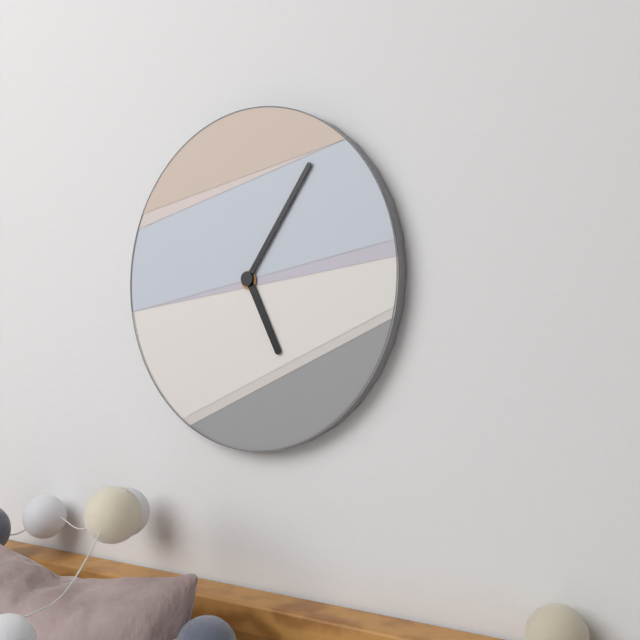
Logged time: 5:06
